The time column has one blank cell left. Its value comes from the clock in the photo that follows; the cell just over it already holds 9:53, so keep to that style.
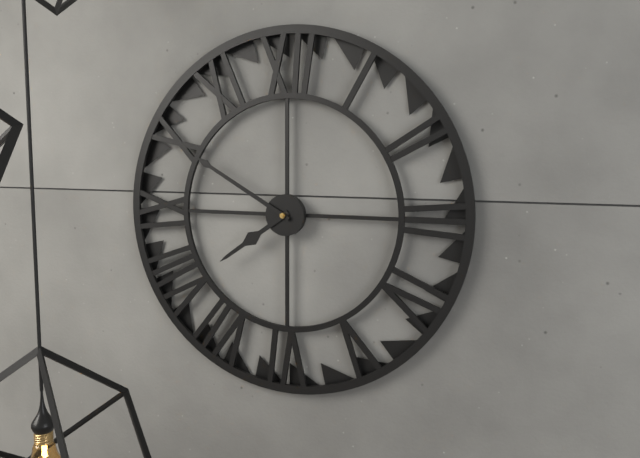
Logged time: 7:50
